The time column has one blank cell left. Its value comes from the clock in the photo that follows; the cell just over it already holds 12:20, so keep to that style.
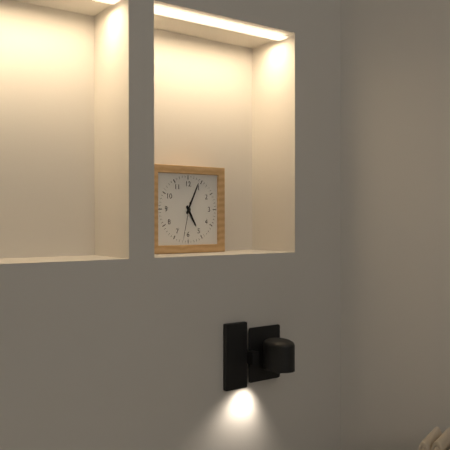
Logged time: 5:04
